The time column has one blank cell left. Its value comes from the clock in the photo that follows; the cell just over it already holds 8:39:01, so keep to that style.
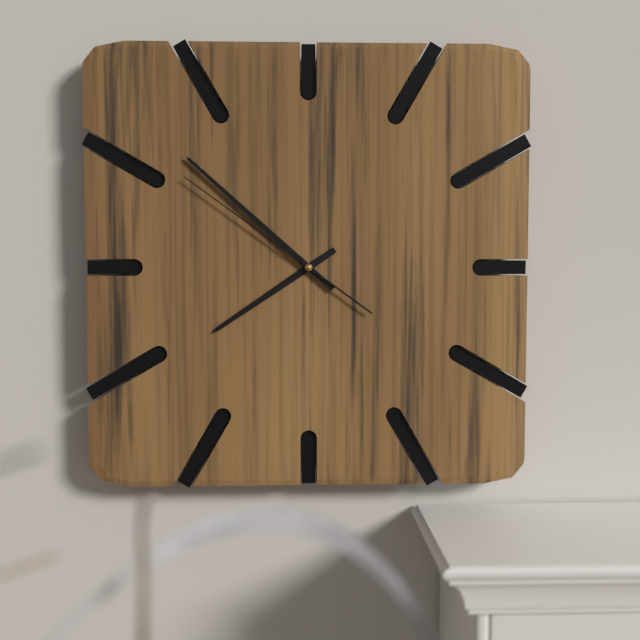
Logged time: 7:52:51
